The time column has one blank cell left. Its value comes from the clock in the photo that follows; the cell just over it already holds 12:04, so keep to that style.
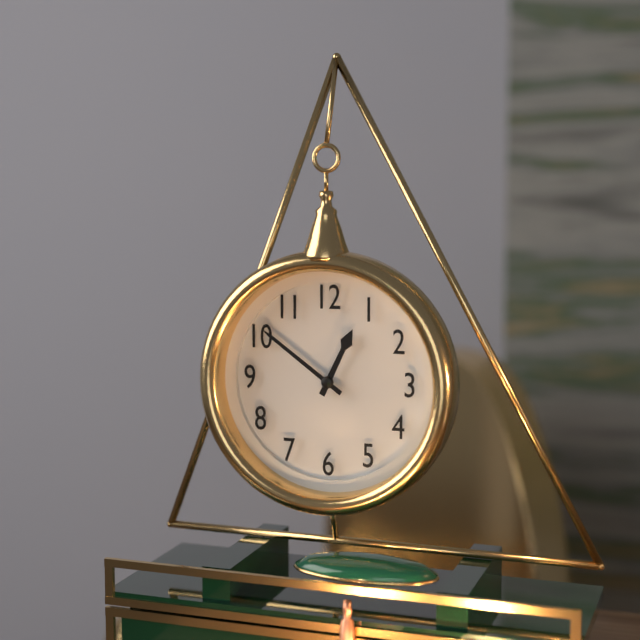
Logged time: 12:51
